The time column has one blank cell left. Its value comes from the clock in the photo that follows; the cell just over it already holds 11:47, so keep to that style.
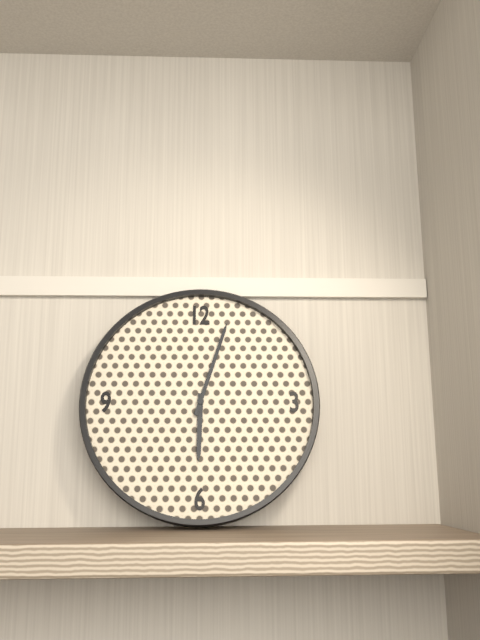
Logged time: 6:03
